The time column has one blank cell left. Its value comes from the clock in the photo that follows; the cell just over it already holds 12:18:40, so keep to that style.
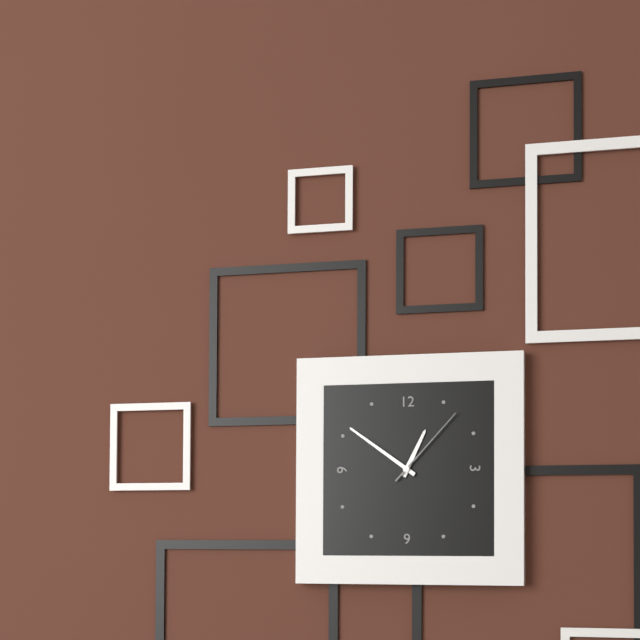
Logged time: 12:51:07
